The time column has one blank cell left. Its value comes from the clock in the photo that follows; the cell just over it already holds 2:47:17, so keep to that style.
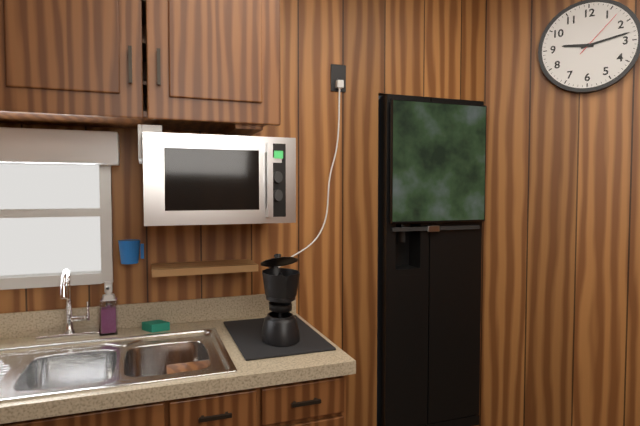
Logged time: 9:13:07
